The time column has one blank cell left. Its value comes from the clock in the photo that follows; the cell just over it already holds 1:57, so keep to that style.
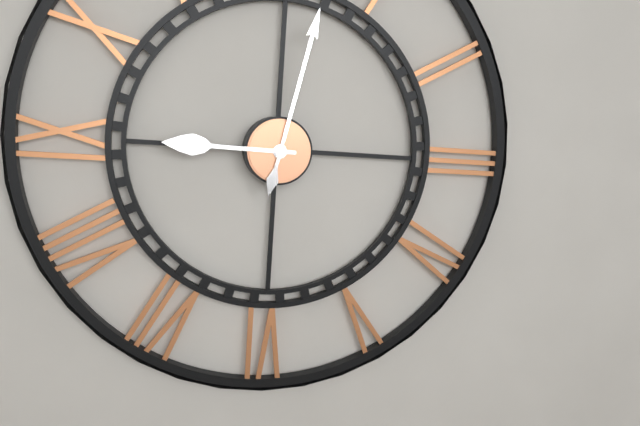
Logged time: 9:02
